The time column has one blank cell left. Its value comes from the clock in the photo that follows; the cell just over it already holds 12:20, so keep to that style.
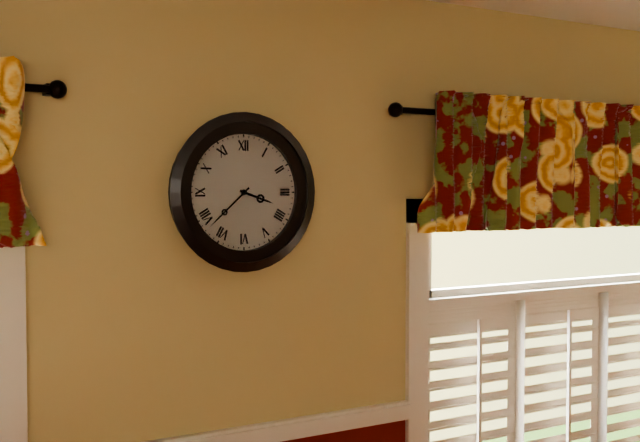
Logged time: 3:38
